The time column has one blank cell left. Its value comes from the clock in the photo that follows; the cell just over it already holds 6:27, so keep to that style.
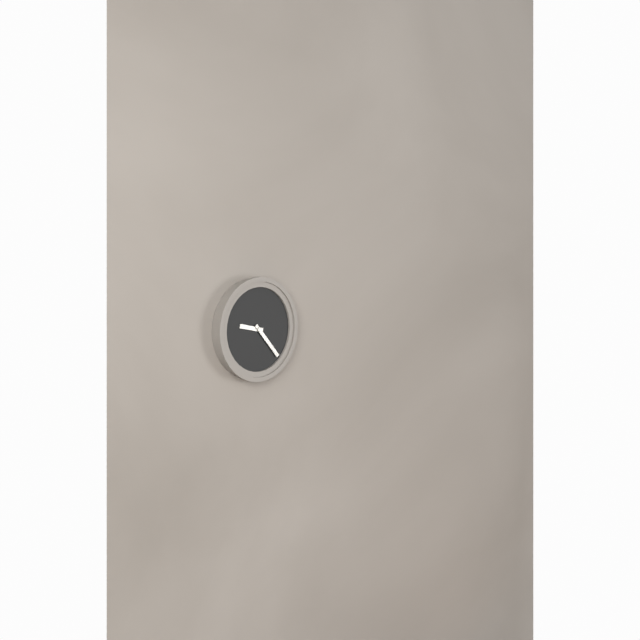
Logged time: 9:23
